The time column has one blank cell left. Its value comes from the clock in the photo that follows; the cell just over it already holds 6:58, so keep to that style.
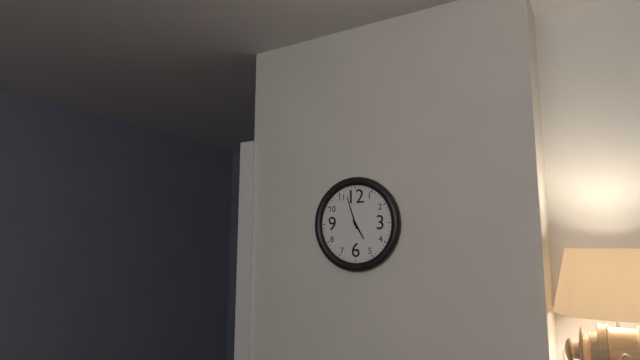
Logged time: 4:57
